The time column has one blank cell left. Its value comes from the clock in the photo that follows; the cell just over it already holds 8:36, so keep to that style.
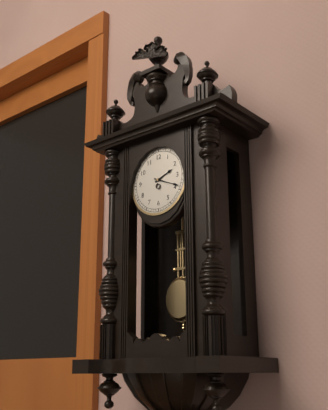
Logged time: 2:19
